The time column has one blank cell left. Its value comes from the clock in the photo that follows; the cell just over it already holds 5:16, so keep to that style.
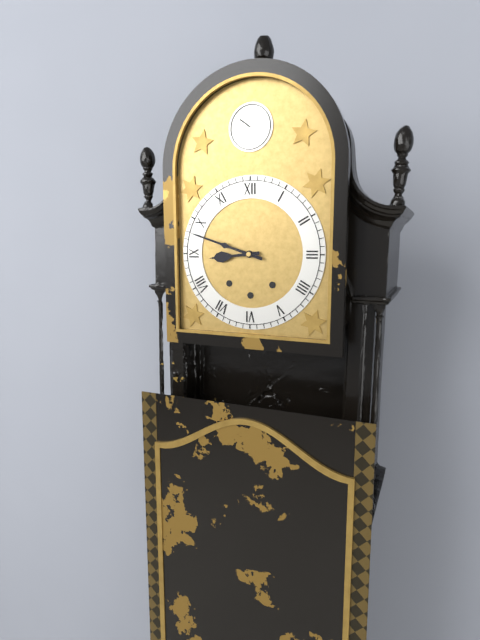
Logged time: 8:48
